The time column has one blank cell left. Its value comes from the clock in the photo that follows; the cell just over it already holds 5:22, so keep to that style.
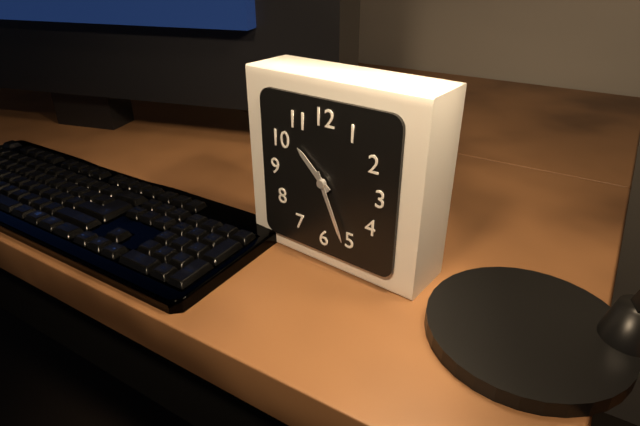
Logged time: 10:26
